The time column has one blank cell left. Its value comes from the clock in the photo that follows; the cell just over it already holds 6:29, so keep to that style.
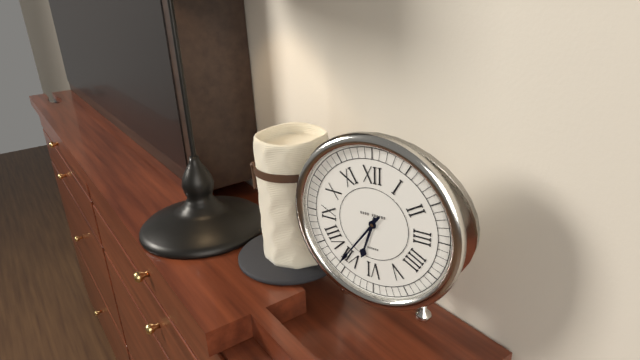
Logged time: 6:36
